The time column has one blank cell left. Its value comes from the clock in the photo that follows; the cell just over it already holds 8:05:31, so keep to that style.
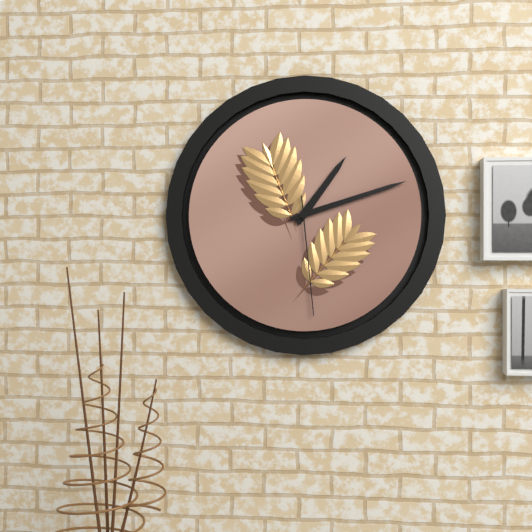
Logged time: 1:12:29
